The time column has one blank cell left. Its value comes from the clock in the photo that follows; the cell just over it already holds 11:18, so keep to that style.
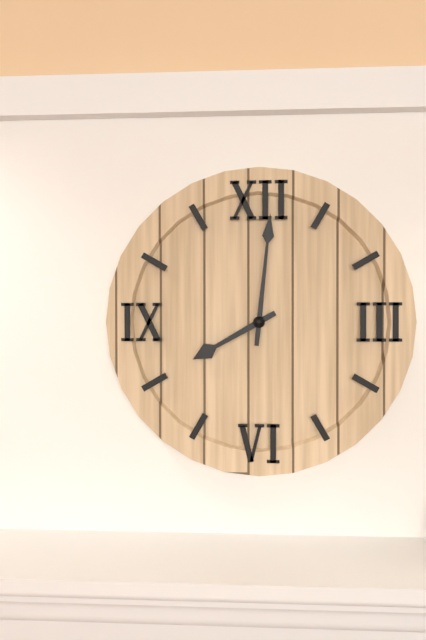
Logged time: 8:01
